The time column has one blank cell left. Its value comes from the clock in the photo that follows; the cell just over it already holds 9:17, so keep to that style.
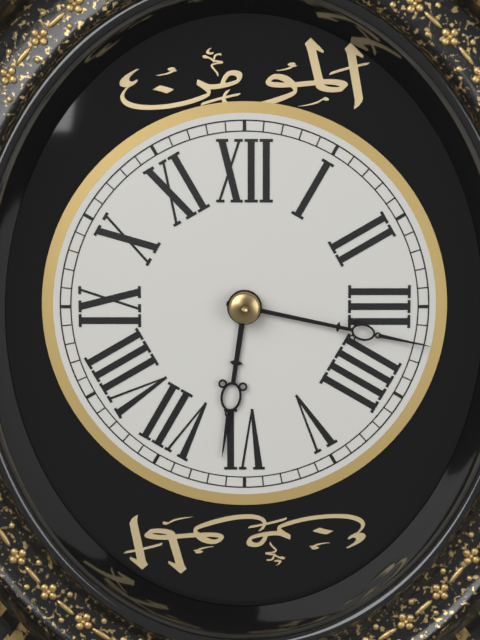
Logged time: 6:17
